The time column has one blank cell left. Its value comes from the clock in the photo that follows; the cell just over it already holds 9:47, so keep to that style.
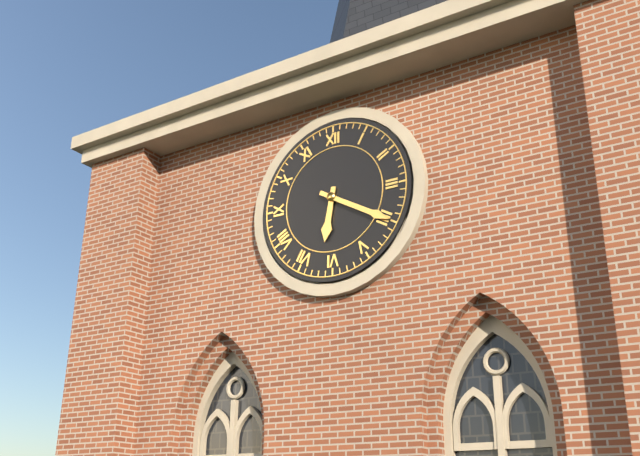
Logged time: 6:20
